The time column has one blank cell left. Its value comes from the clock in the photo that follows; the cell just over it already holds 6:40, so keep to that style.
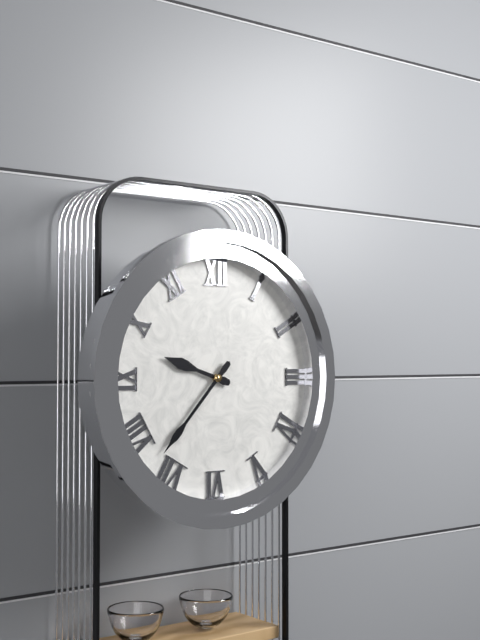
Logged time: 9:37
